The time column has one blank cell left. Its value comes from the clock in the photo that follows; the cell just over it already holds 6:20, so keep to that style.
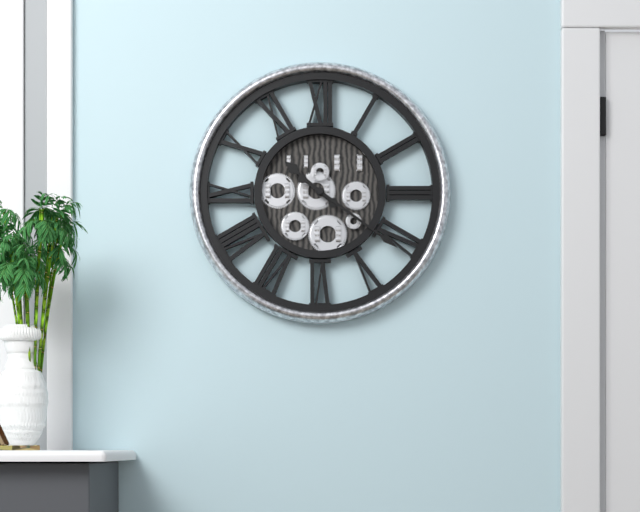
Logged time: 10:21
